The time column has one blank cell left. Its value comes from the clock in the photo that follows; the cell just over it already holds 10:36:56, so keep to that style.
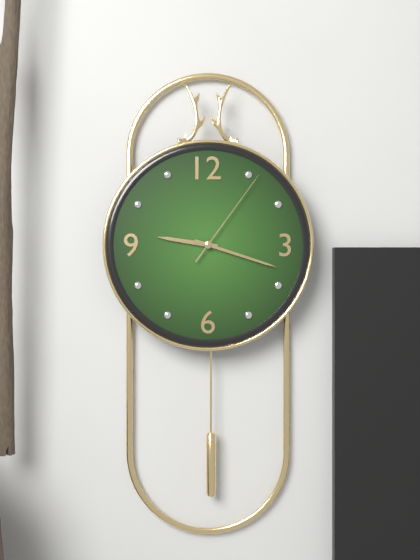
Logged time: 9:18:06
